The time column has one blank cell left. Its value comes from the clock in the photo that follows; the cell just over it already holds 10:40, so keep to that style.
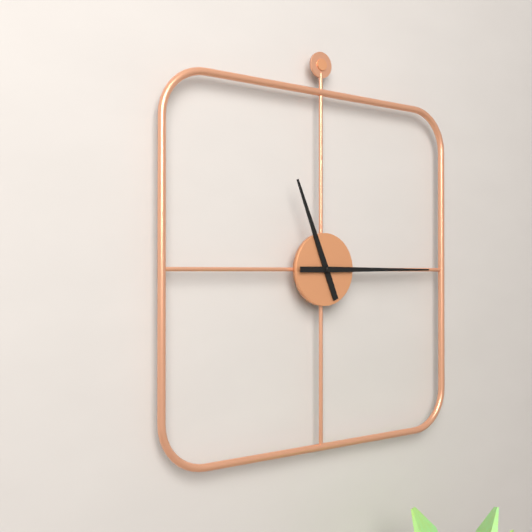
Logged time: 11:15
